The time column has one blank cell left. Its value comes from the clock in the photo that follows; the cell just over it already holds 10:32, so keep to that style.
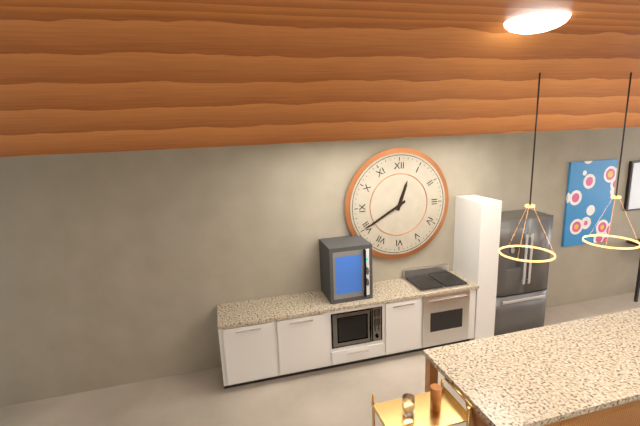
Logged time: 12:40
